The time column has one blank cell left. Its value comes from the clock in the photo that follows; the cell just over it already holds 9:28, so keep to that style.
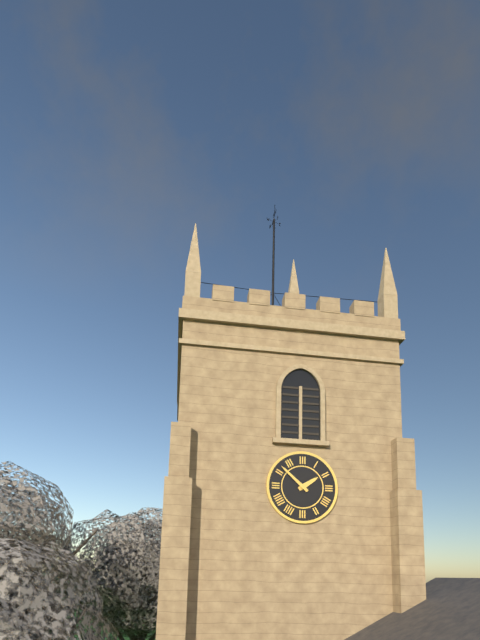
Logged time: 1:52
